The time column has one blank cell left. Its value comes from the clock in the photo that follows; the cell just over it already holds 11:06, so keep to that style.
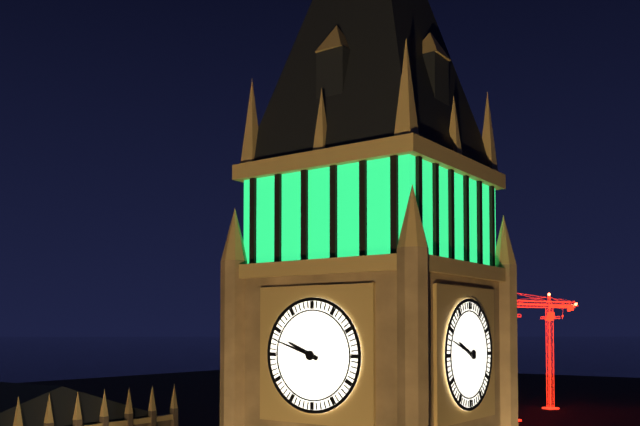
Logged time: 9:48
